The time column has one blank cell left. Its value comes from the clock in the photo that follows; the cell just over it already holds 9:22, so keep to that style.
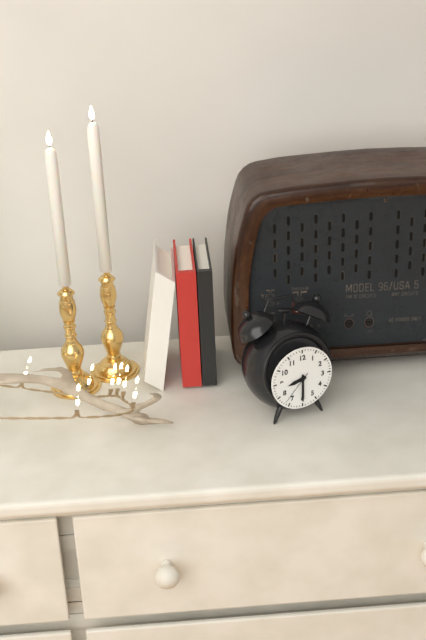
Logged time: 8:30
